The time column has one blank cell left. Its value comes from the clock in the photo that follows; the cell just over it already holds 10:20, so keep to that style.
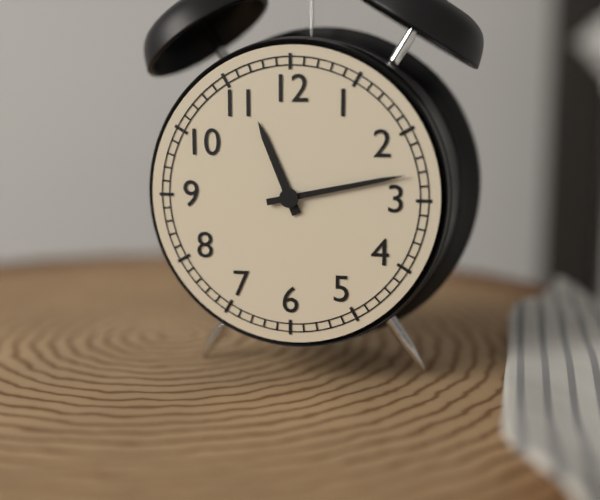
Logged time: 11:13
